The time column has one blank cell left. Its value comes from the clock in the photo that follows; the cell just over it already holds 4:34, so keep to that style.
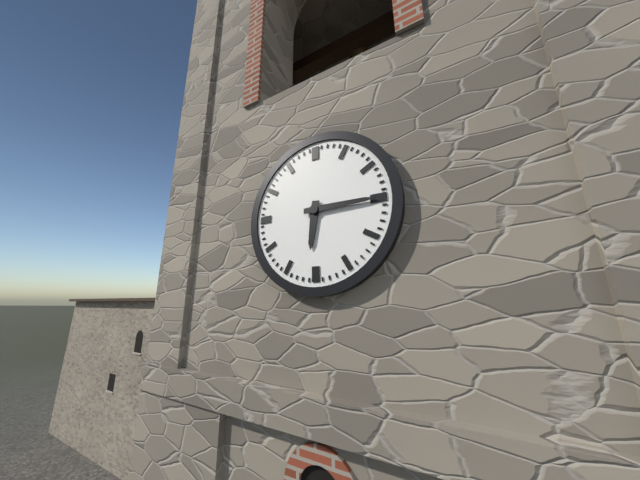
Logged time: 6:15
